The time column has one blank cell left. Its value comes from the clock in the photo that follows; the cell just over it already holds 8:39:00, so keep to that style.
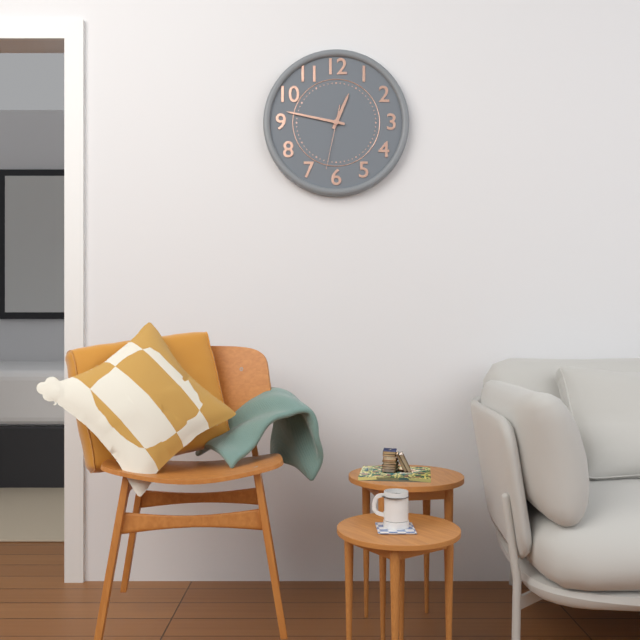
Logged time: 12:47:32
